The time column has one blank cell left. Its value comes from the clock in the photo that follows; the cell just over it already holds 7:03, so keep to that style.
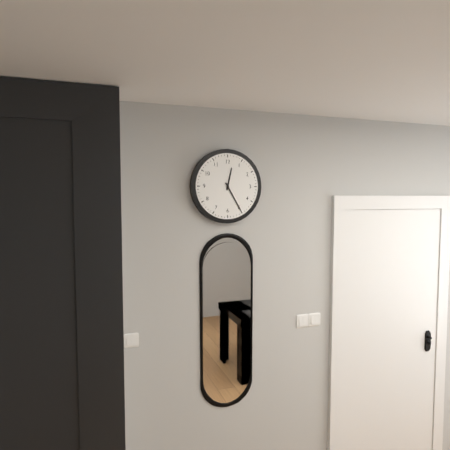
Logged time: 12:25
